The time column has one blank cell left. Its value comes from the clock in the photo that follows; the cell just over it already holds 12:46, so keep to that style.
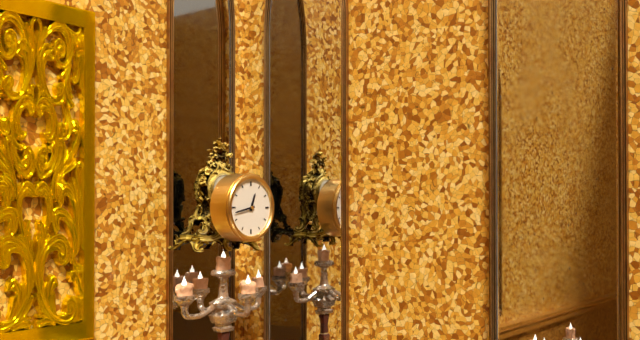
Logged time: 12:43
